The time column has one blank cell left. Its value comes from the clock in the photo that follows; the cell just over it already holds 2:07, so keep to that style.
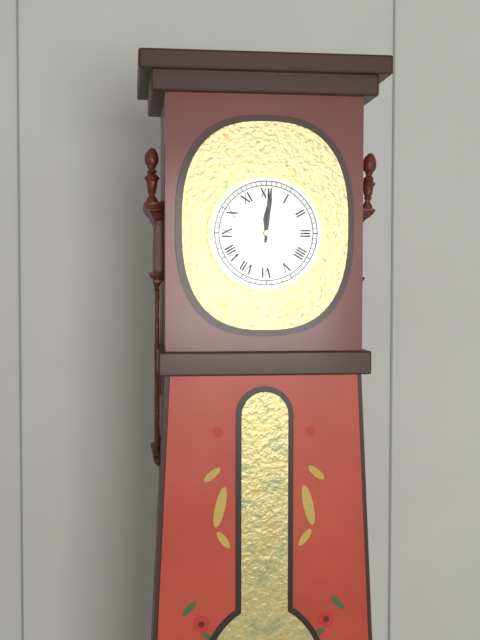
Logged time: 12:01
